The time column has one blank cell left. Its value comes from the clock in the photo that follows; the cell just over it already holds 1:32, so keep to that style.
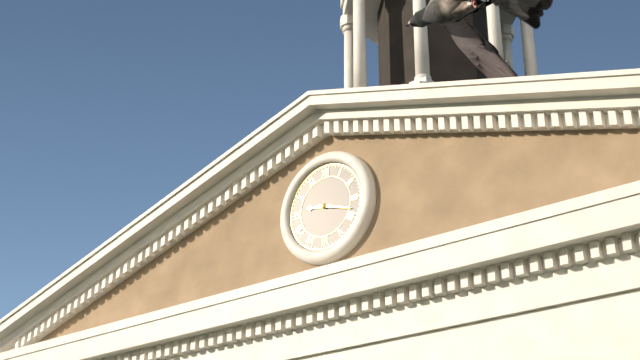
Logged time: 9:18
